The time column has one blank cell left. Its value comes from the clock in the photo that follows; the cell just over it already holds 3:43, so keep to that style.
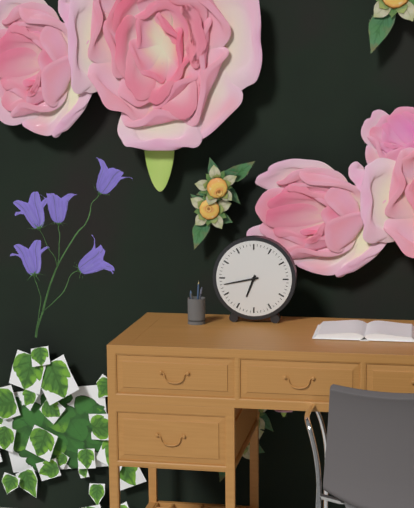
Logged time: 6:43
